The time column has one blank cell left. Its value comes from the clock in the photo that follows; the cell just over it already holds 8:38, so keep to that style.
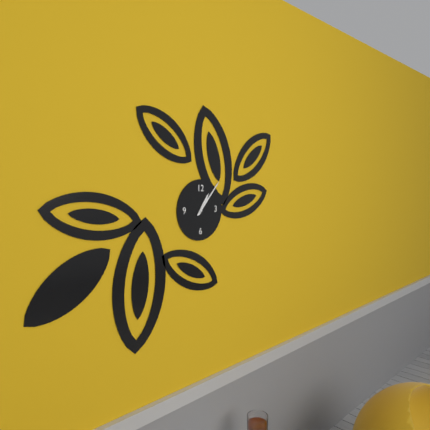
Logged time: 1:07
